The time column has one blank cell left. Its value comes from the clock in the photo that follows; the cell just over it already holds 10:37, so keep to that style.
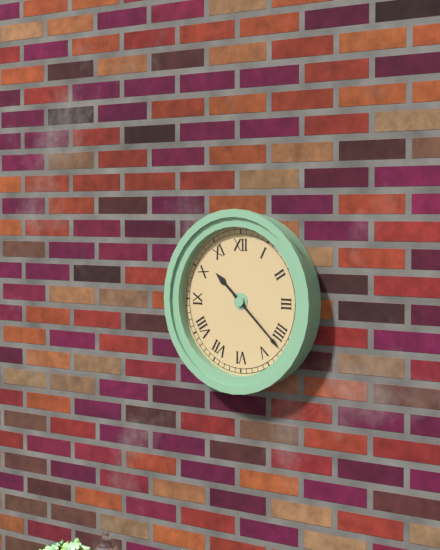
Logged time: 10:22
